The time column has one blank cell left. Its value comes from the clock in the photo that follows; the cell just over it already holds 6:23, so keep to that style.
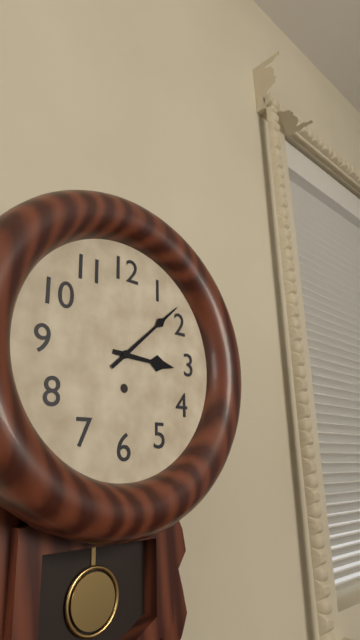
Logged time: 3:08
